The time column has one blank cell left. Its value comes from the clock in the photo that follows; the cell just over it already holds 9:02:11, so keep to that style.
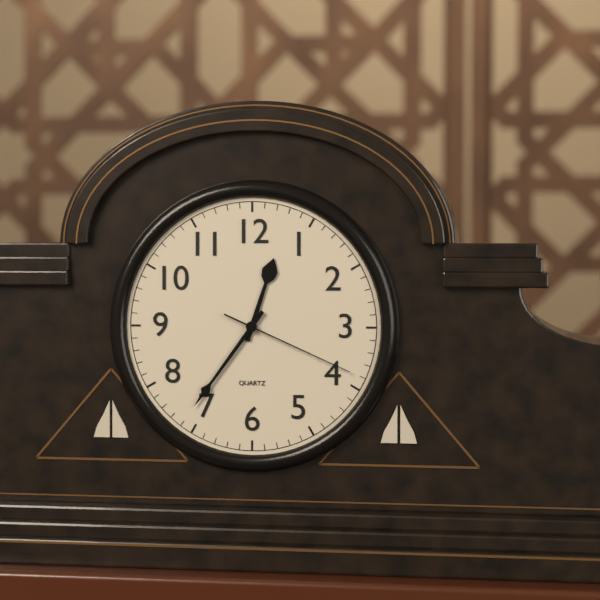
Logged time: 12:36:19
